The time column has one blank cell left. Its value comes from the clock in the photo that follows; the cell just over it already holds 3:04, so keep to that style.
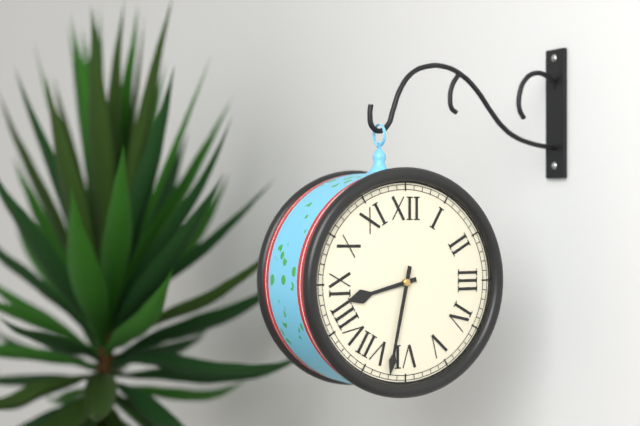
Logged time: 8:32
